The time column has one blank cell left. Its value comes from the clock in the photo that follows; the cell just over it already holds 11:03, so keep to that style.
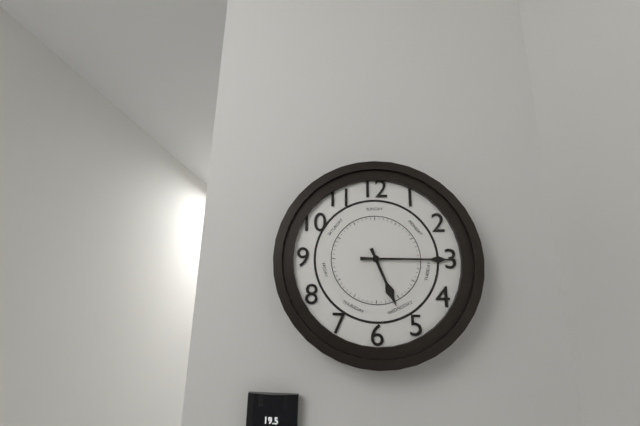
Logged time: 5:15
